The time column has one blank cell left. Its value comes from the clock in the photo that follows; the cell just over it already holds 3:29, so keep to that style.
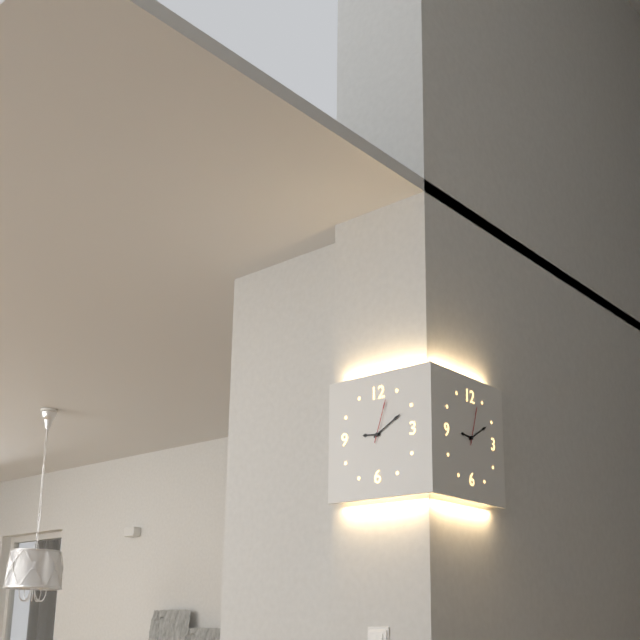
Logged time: 9:10
